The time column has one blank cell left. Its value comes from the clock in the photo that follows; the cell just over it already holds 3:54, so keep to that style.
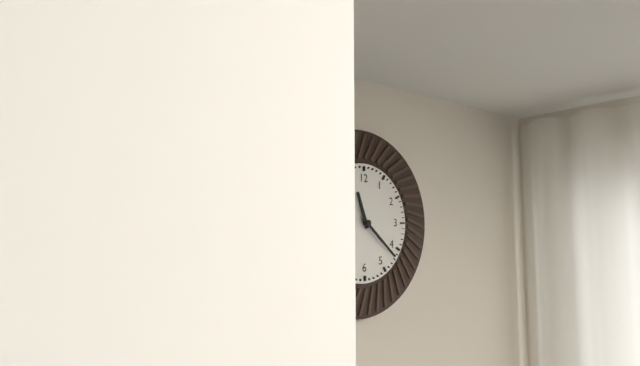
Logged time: 11:22
